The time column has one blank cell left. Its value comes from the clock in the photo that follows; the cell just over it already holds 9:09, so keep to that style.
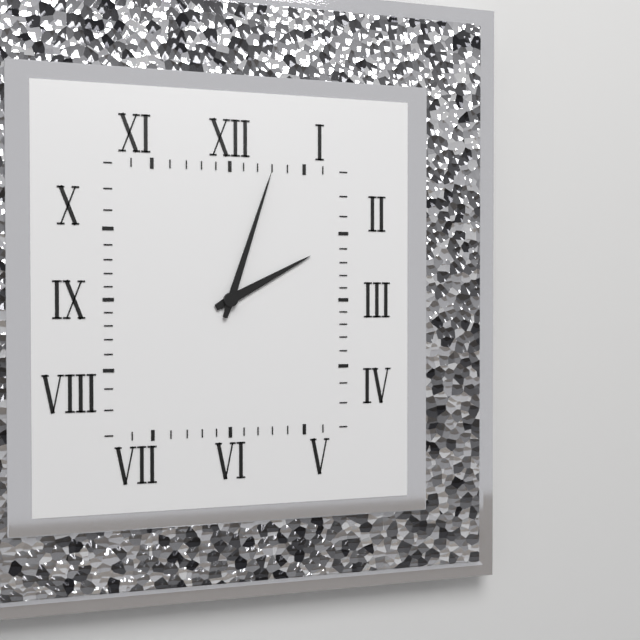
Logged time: 2:03
